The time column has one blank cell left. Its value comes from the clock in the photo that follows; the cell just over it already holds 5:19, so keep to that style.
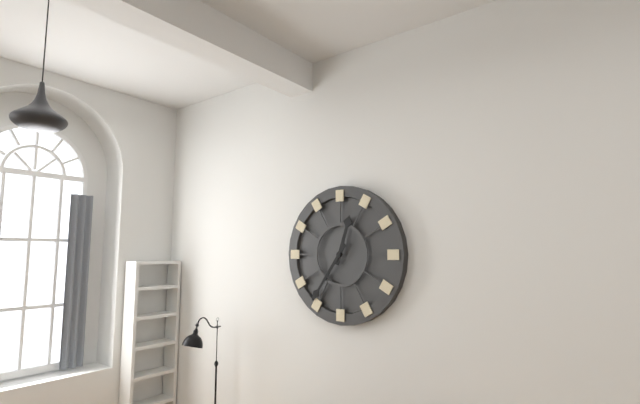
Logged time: 12:36
